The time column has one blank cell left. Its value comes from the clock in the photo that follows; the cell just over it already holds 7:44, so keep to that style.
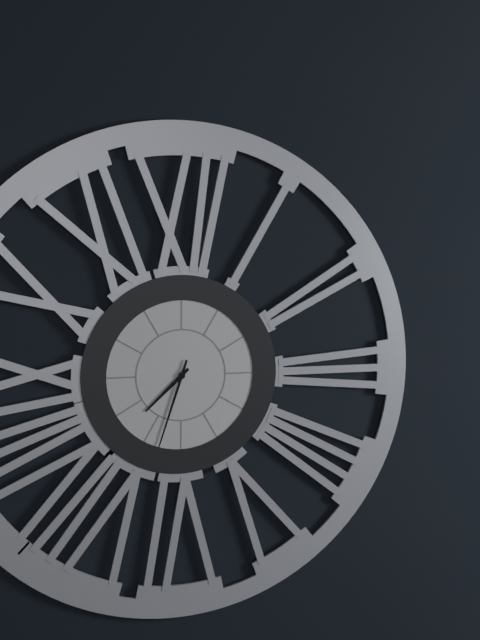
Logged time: 7:33
